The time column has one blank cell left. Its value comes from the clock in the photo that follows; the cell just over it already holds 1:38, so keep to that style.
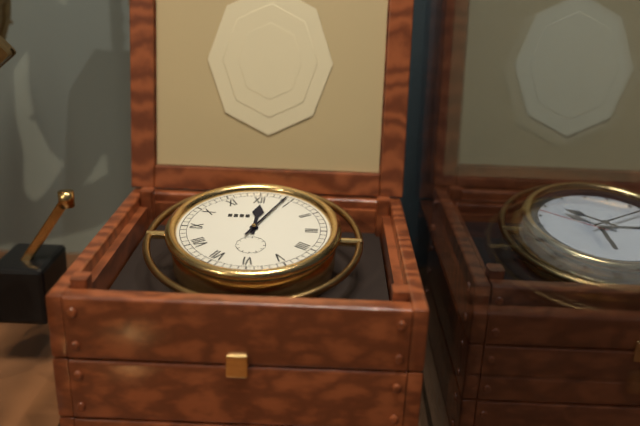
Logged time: 12:04
